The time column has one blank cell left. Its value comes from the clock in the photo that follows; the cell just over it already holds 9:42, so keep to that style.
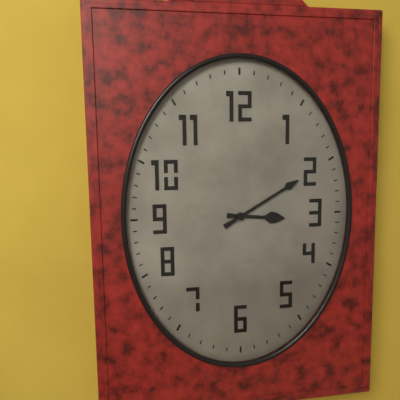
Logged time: 3:10
